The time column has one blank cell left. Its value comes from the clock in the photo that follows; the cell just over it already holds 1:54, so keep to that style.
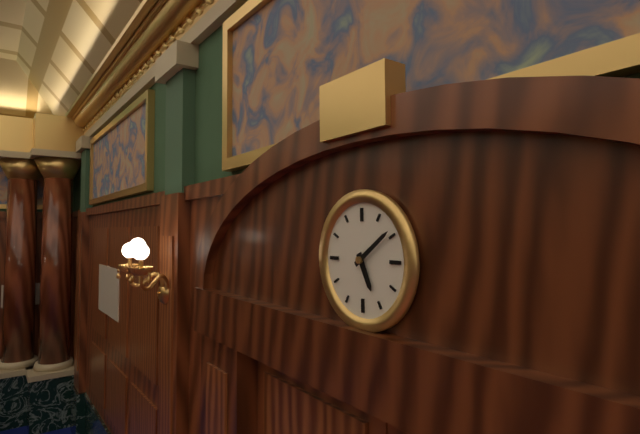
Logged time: 5:09
